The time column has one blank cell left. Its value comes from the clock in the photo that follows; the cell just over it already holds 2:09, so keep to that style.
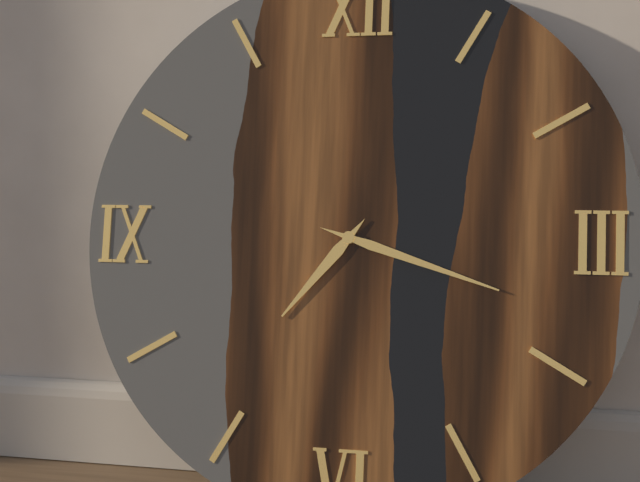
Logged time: 7:18
